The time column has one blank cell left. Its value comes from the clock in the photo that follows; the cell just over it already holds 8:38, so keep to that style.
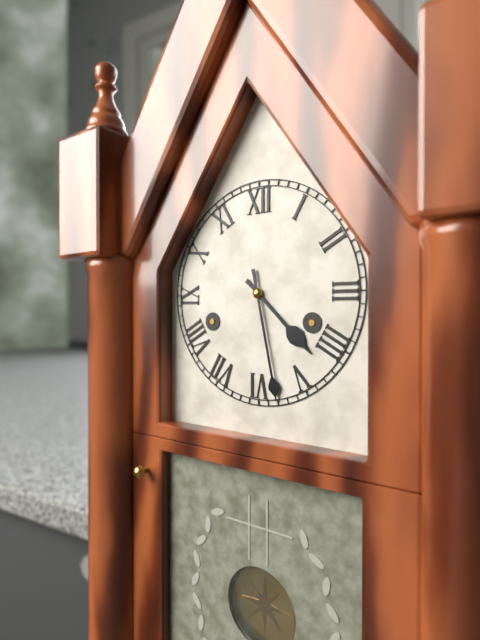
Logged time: 4:28
